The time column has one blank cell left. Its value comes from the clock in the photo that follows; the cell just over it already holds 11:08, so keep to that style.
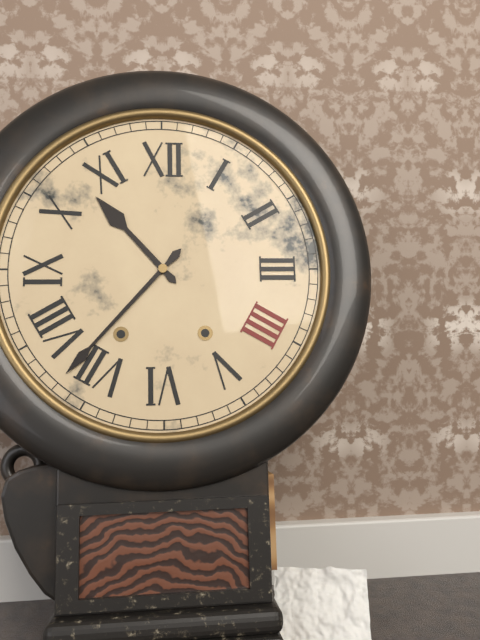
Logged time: 10:37
